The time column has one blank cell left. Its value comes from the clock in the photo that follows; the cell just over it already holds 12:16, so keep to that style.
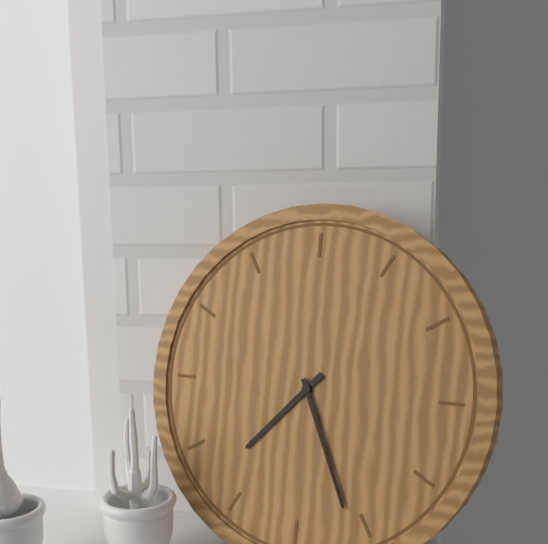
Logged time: 7:26
